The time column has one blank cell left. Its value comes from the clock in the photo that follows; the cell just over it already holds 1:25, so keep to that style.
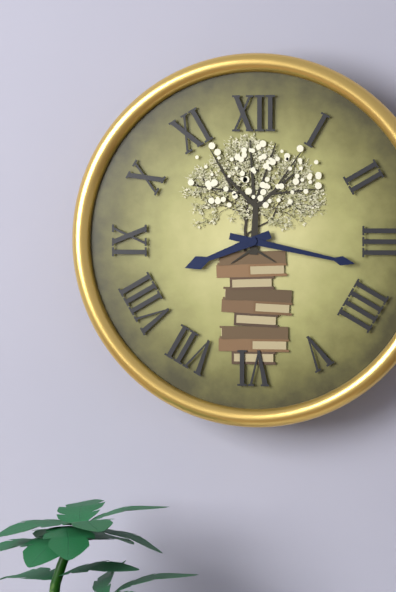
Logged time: 8:17
